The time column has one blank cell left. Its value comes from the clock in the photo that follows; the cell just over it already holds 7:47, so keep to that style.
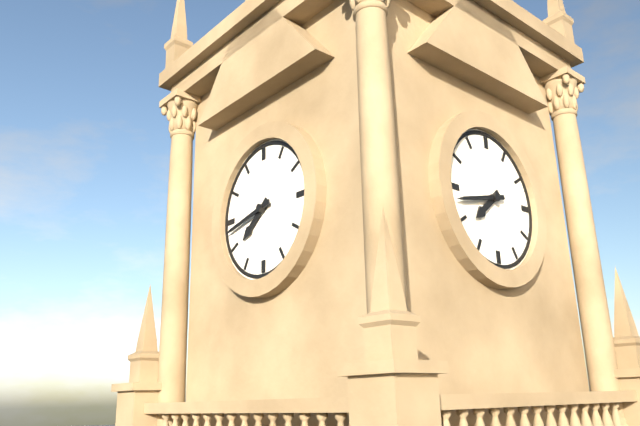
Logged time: 7:43
